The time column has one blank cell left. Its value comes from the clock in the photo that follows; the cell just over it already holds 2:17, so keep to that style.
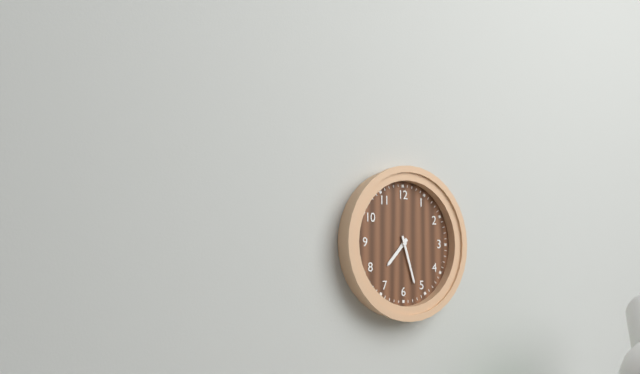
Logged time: 7:27
